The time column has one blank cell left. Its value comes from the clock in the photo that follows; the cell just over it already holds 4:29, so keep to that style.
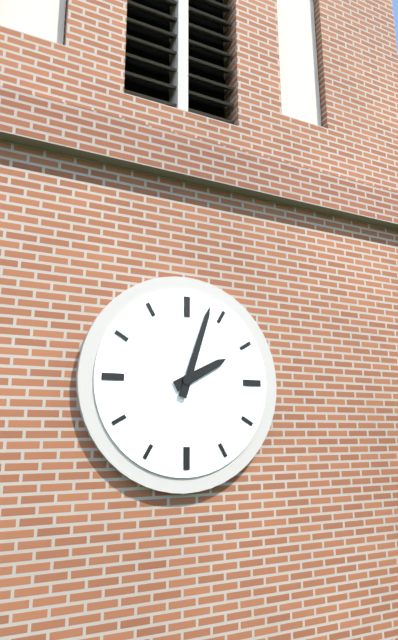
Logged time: 2:03
